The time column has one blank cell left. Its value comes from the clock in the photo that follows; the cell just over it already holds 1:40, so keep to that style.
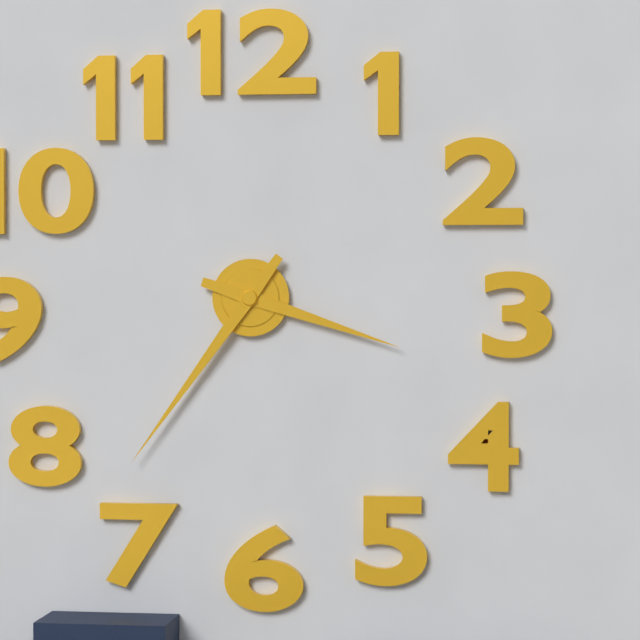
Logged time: 3:36
